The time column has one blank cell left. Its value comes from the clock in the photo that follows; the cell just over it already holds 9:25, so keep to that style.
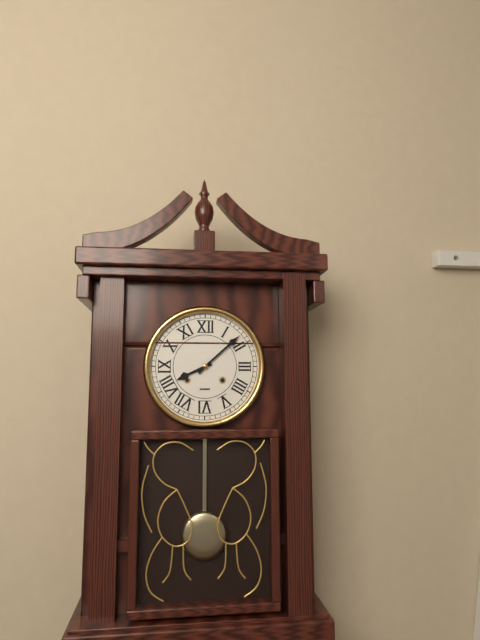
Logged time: 8:08
